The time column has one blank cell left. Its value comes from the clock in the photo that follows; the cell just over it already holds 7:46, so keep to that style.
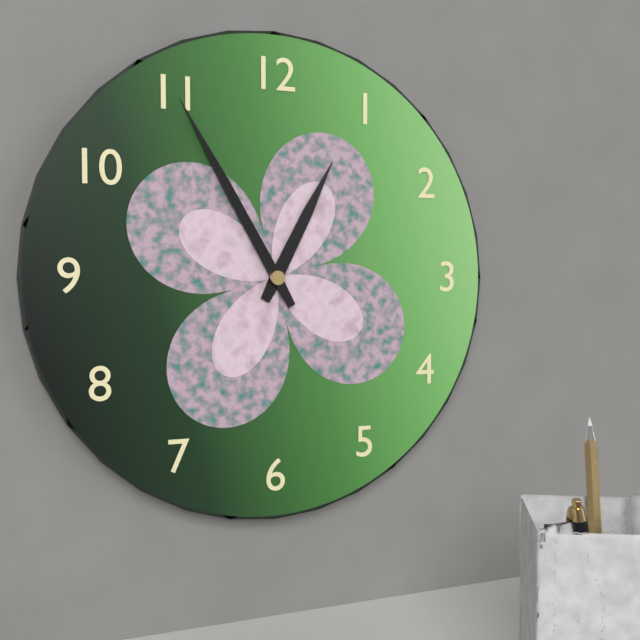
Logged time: 12:55
